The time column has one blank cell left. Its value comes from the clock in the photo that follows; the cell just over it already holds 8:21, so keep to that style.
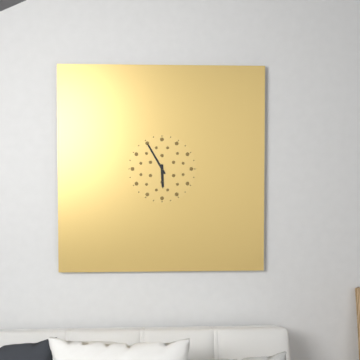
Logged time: 5:55
